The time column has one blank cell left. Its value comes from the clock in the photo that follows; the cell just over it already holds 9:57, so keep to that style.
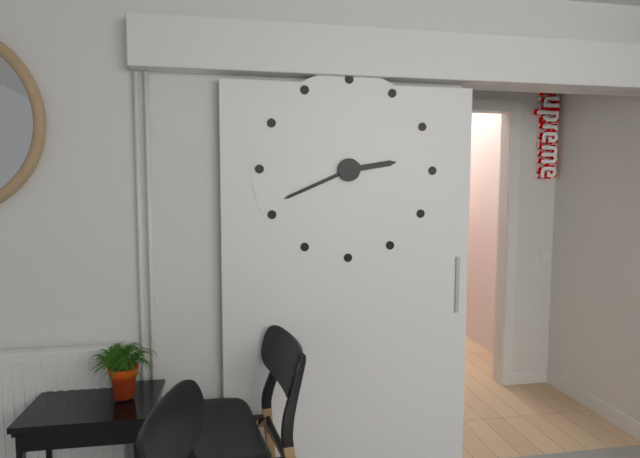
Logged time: 2:41
